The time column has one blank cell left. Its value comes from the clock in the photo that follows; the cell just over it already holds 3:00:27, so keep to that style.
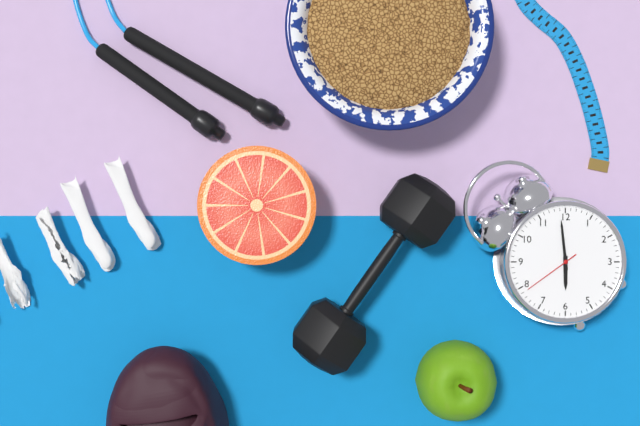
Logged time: 5:59:39
